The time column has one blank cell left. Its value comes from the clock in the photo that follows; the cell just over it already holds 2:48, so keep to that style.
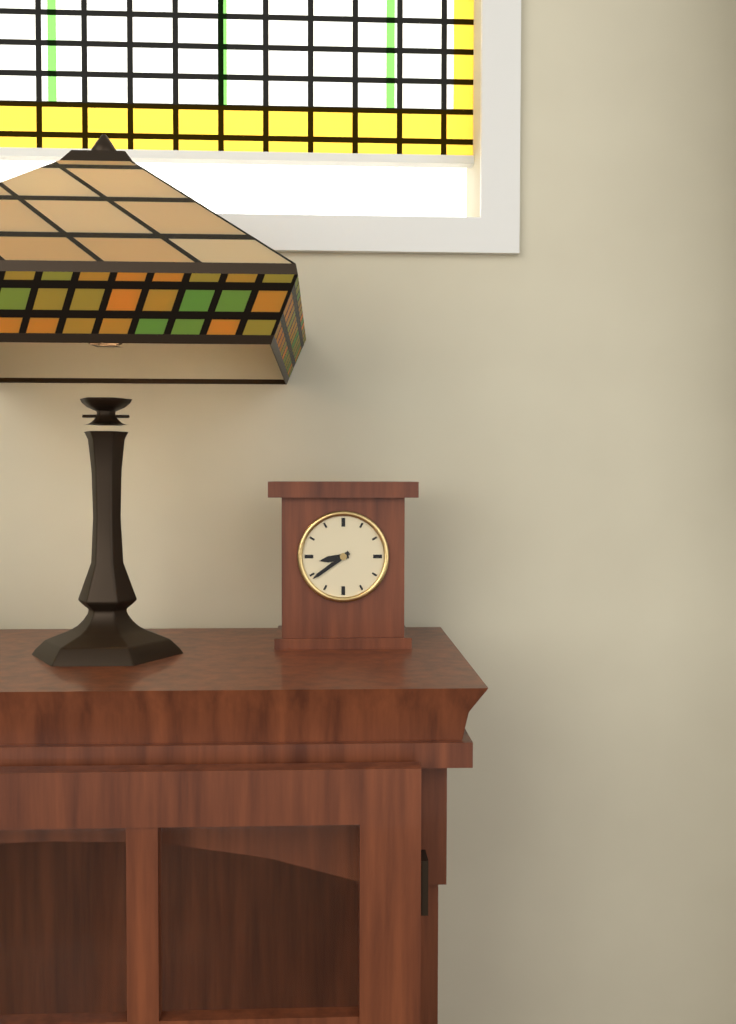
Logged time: 8:39
